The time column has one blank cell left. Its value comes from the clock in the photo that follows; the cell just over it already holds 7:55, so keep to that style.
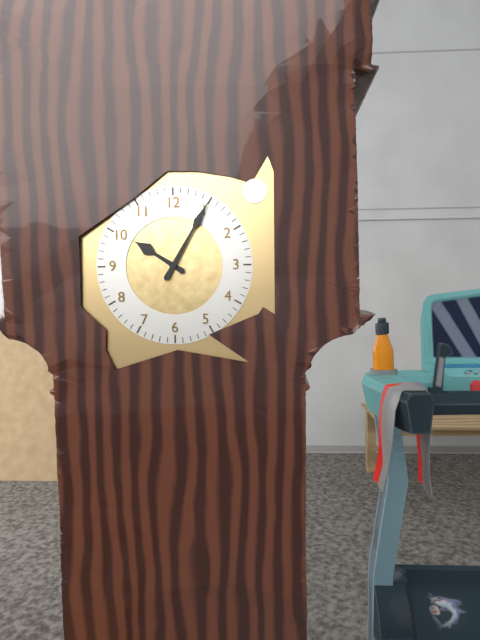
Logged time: 10:05
